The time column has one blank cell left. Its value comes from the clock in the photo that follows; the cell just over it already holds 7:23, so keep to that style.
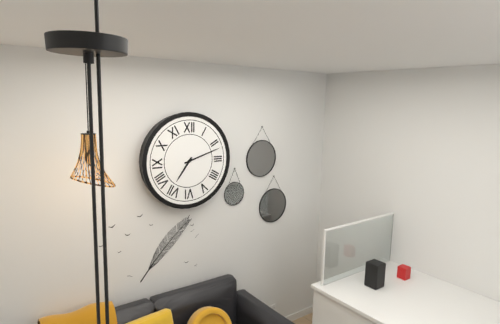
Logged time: 7:12
